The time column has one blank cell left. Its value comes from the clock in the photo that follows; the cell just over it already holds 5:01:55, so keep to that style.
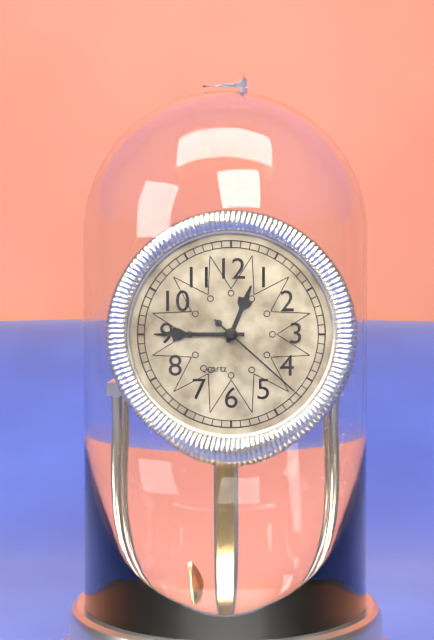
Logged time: 12:45:22
